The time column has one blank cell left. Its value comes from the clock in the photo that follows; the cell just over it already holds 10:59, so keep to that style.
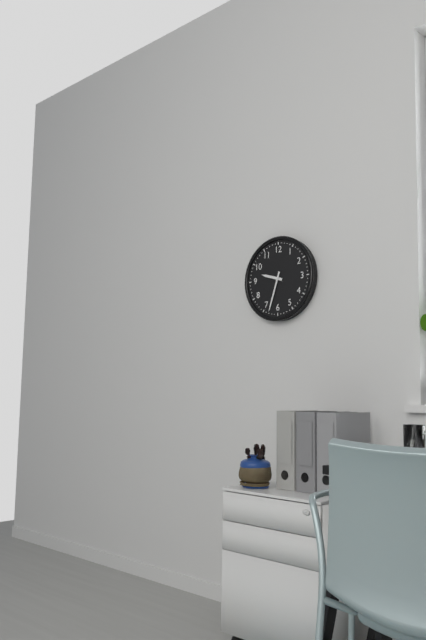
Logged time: 9:33
